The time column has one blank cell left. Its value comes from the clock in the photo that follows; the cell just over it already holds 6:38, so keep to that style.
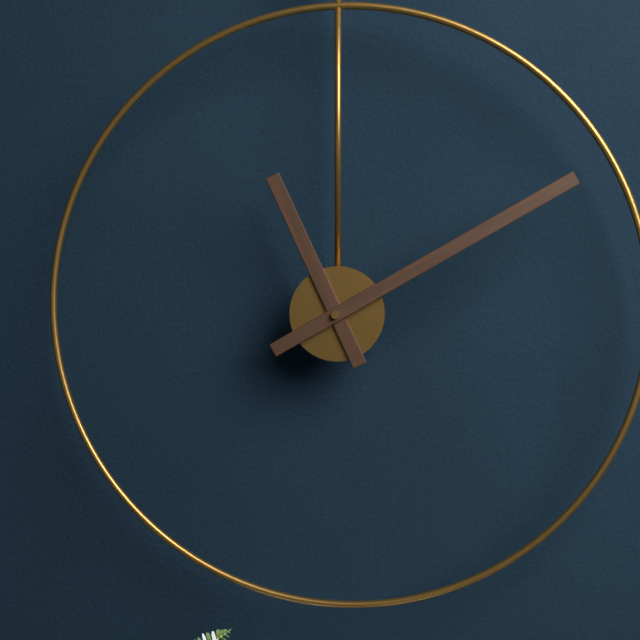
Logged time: 11:10
